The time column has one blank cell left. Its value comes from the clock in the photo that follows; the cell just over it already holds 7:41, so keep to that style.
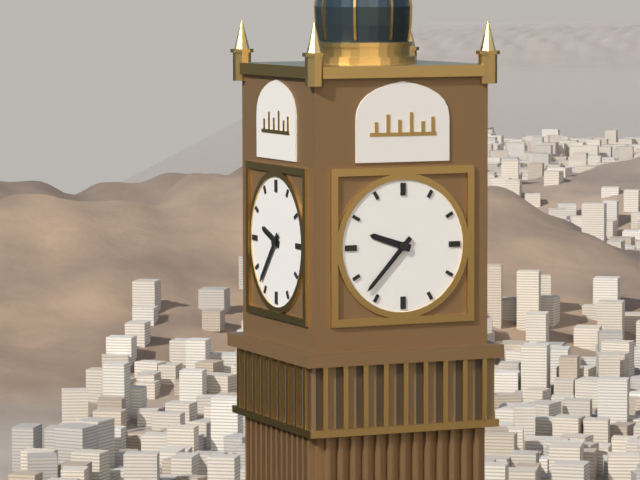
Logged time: 9:37
